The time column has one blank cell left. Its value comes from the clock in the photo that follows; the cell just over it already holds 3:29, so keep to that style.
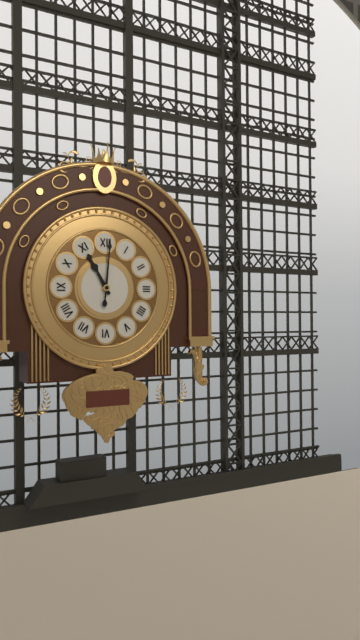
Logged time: 11:01
